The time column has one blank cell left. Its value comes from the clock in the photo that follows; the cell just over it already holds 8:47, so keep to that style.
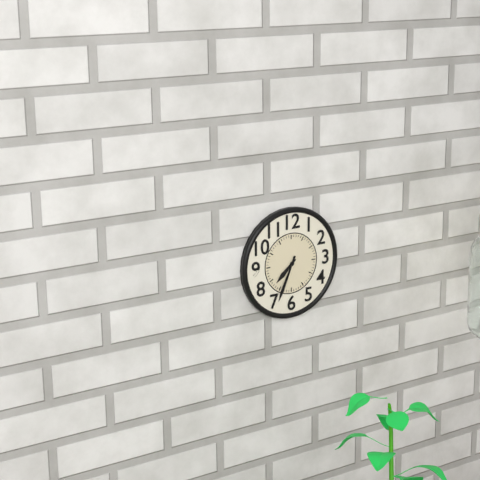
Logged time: 7:34
